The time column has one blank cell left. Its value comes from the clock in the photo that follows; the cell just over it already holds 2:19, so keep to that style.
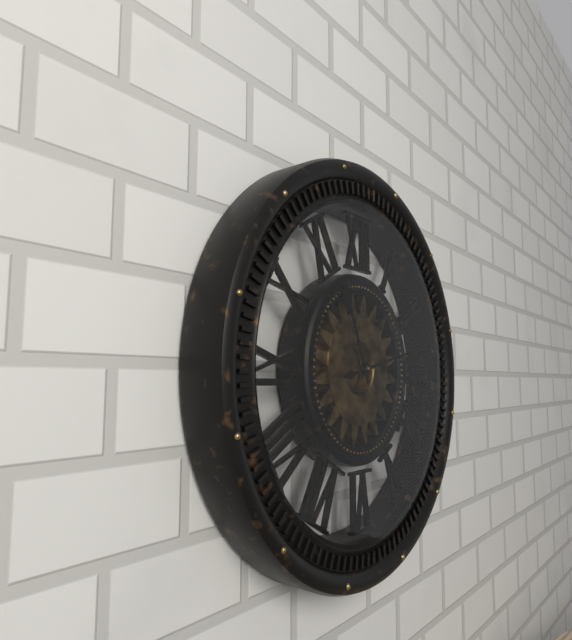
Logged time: 11:13
